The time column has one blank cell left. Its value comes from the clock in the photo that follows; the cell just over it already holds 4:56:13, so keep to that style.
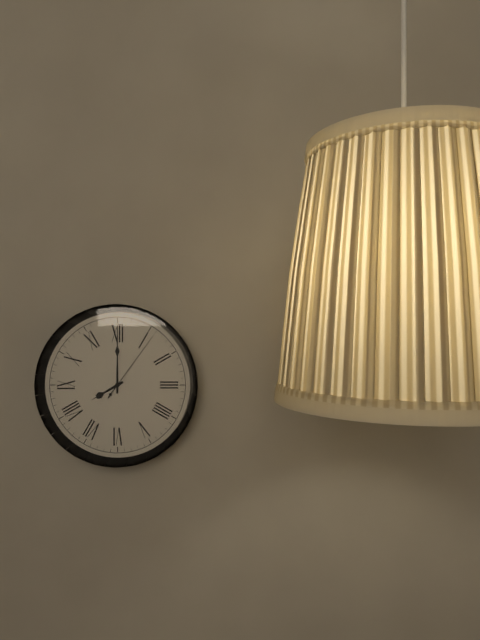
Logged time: 8:00:06
